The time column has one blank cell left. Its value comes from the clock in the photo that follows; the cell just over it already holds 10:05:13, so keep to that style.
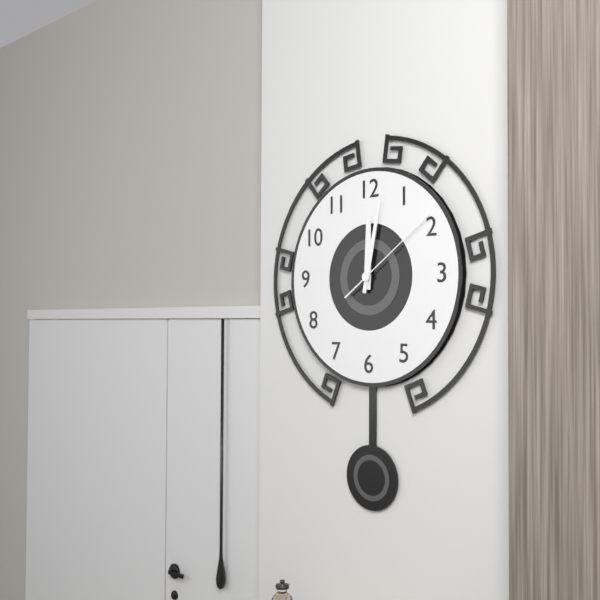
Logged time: 12:02:09
